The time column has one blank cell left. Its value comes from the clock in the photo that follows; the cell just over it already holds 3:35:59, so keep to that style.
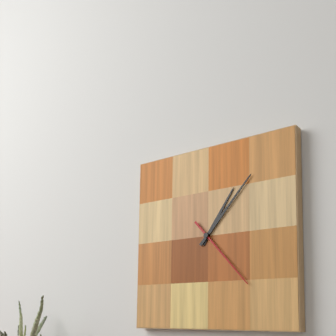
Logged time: 1:07:23
